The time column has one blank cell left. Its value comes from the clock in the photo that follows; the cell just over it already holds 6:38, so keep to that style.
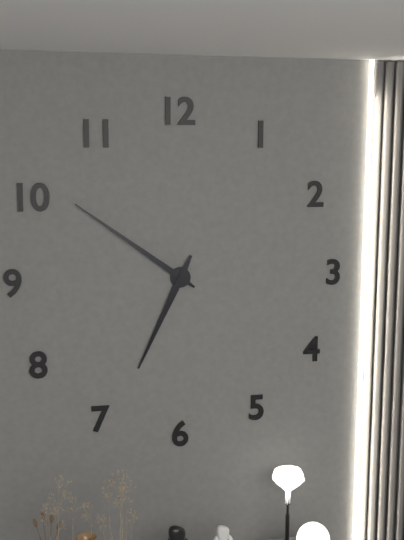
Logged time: 6:51
